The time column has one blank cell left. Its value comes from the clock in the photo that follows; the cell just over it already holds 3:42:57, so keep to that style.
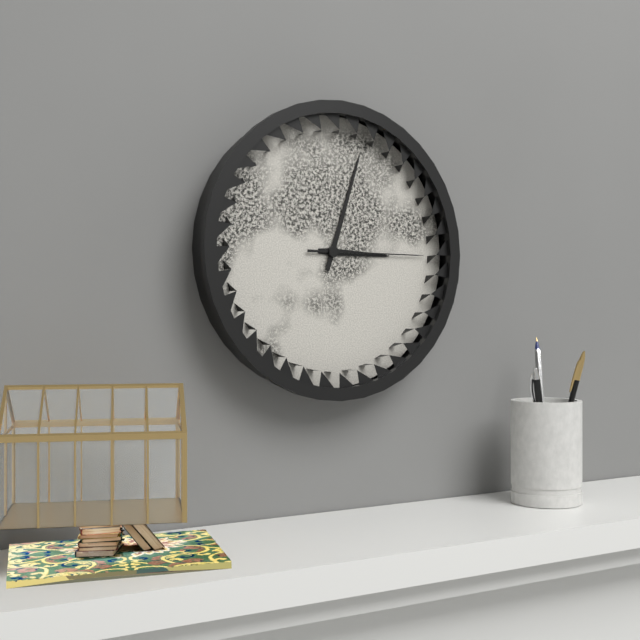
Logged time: 3:03:15
